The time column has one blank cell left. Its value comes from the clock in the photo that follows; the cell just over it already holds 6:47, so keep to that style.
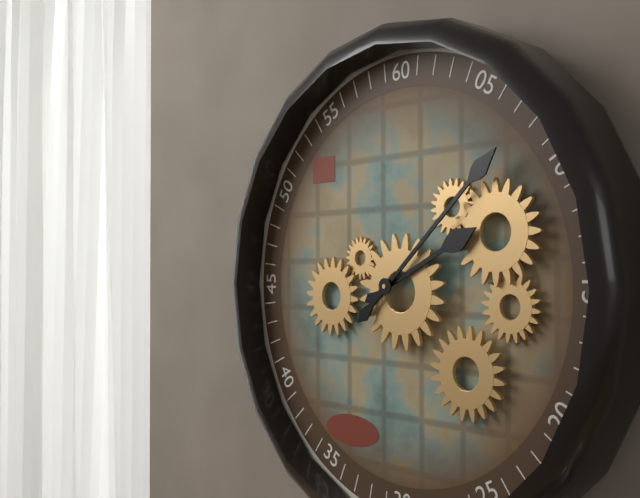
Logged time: 2:08
